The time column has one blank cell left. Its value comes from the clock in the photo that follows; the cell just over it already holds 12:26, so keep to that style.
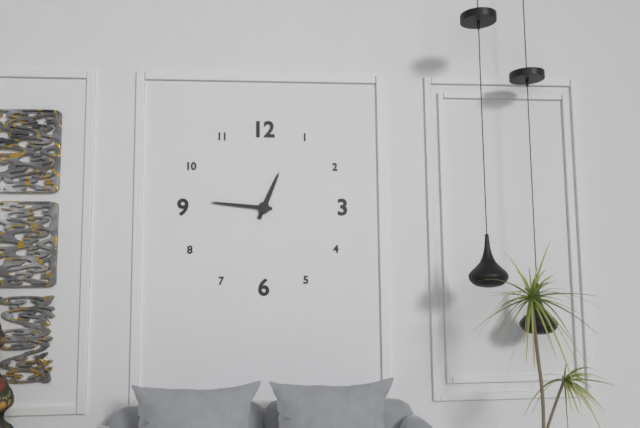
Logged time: 12:46
